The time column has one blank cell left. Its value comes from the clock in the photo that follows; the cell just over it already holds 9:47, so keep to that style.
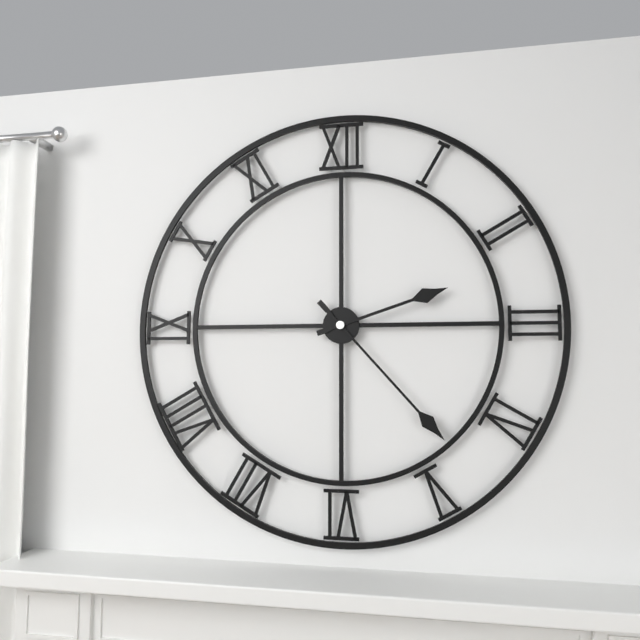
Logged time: 2:23
